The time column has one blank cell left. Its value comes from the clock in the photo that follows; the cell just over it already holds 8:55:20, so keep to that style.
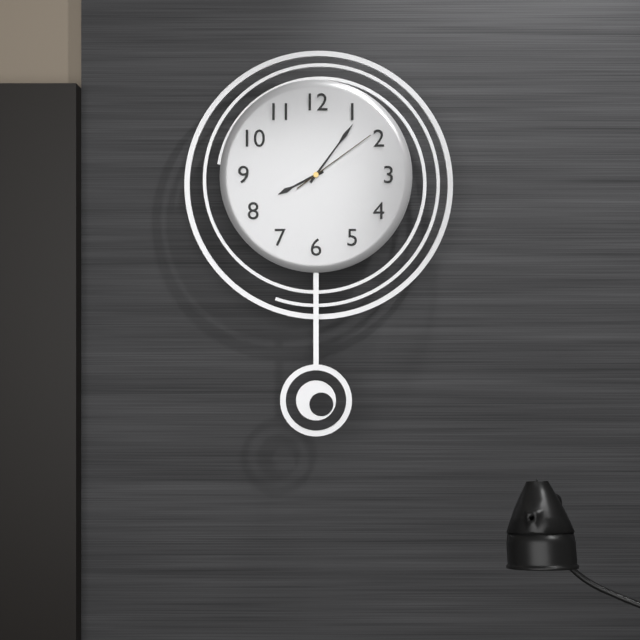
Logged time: 8:06:09
